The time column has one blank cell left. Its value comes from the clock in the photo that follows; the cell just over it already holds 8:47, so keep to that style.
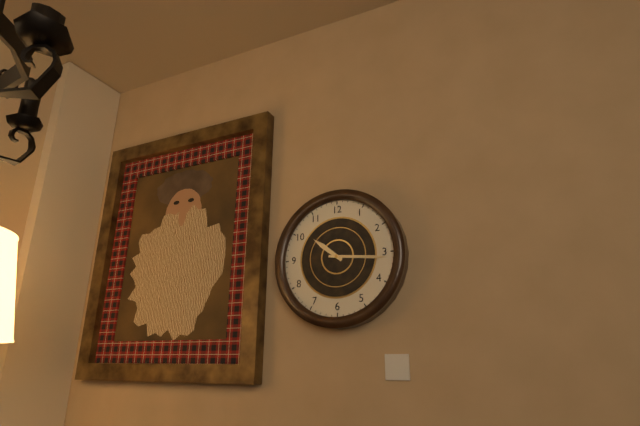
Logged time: 10:16
